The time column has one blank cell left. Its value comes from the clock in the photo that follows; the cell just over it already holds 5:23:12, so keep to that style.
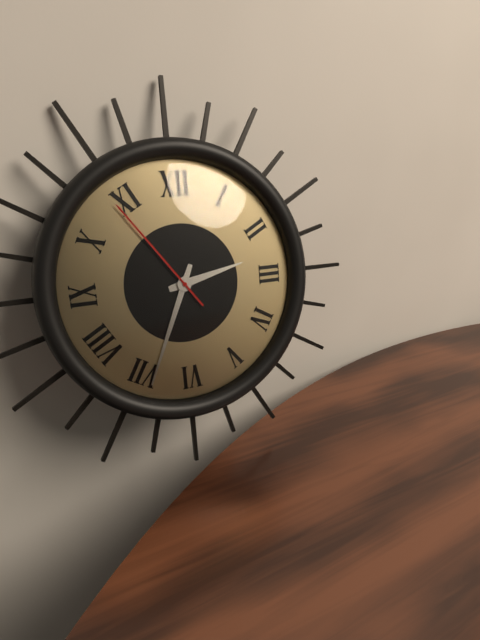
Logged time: 2:34:54
